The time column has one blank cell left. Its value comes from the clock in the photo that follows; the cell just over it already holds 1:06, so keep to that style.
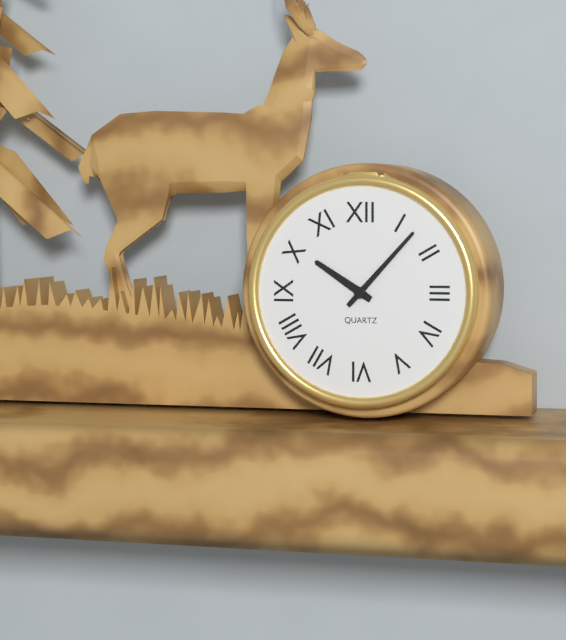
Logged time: 10:07
